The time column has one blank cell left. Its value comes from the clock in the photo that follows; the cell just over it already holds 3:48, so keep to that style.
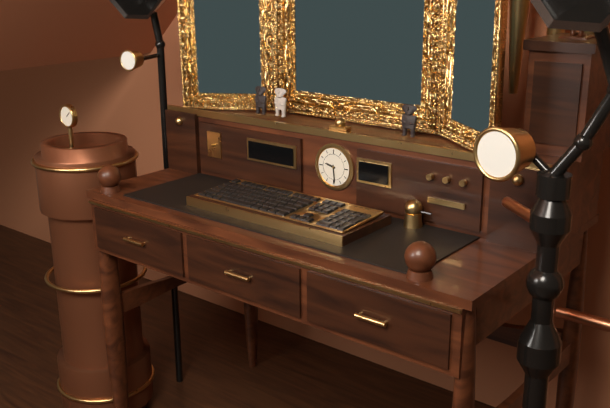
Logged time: 9:29
